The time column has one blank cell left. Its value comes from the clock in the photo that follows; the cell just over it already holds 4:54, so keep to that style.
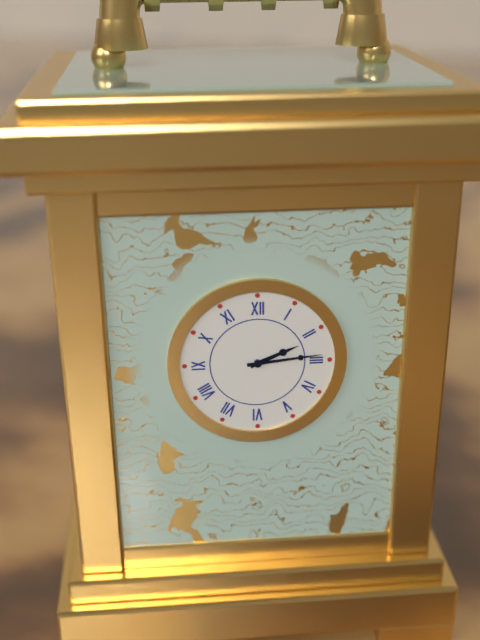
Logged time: 2:14
